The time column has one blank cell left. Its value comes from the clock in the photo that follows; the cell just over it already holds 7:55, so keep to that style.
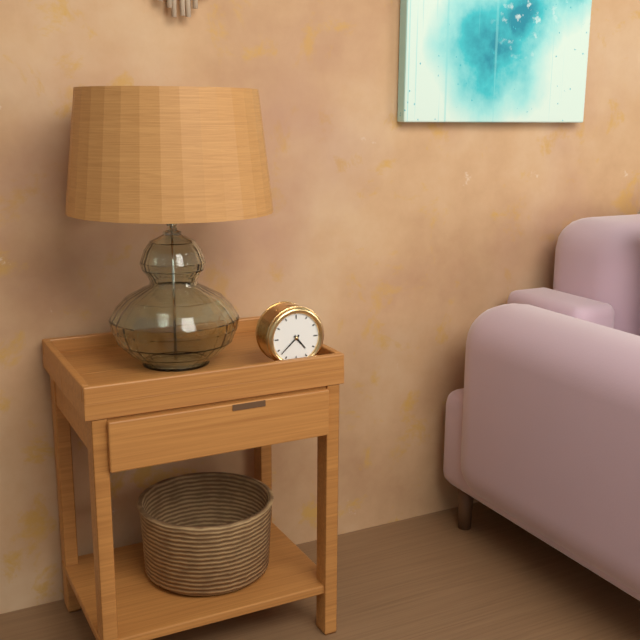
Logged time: 4:38
